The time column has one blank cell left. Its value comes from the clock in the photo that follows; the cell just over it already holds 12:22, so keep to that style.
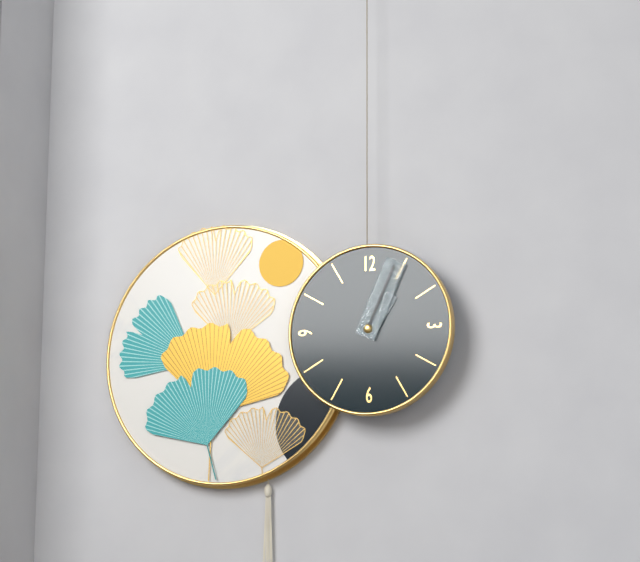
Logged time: 1:04
